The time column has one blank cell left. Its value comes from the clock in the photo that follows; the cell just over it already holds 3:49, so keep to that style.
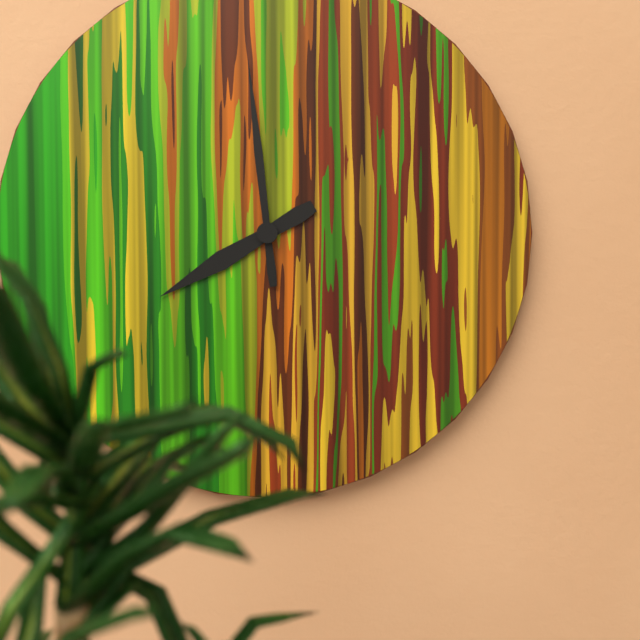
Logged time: 7:59
